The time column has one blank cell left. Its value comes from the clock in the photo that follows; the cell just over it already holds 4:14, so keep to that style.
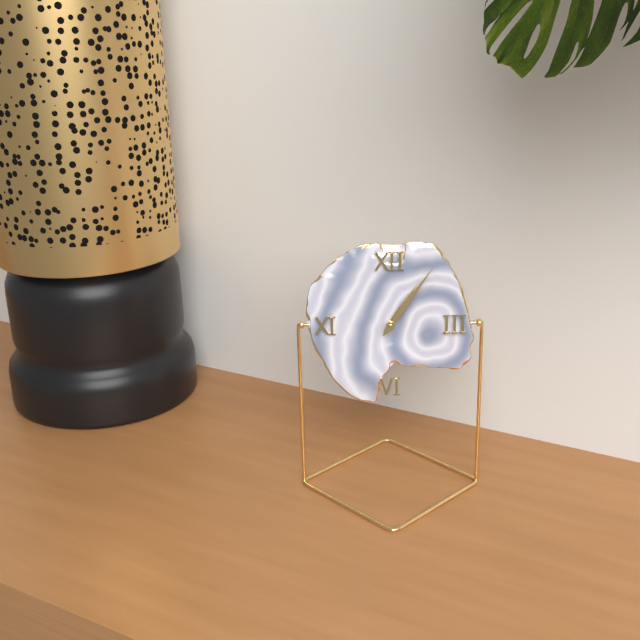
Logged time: 1:06
